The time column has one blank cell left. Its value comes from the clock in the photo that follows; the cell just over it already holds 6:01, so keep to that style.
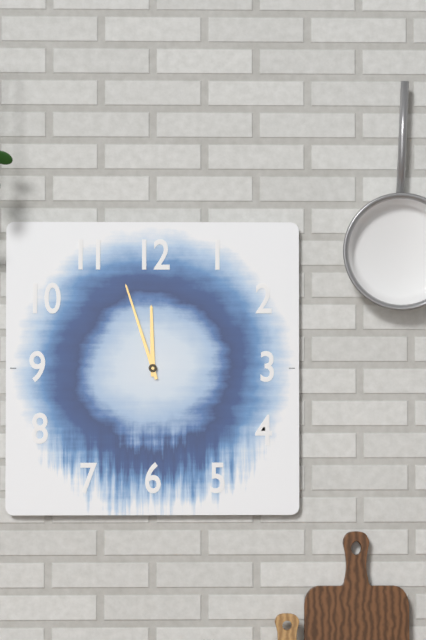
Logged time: 11:57
